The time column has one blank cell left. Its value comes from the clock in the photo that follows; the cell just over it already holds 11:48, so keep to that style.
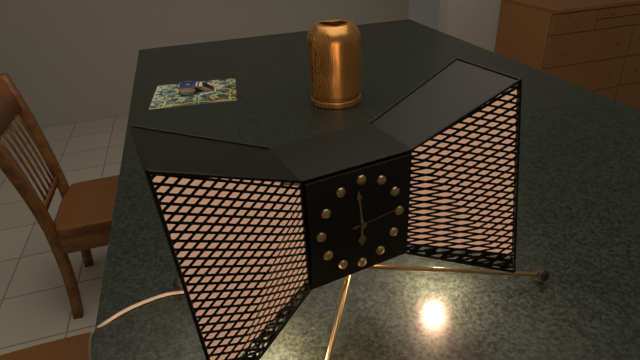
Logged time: 5:59
